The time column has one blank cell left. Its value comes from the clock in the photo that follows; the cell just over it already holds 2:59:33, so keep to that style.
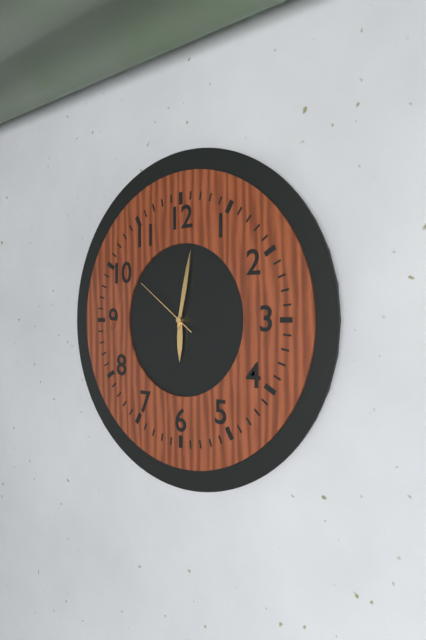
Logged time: 6:02:51
